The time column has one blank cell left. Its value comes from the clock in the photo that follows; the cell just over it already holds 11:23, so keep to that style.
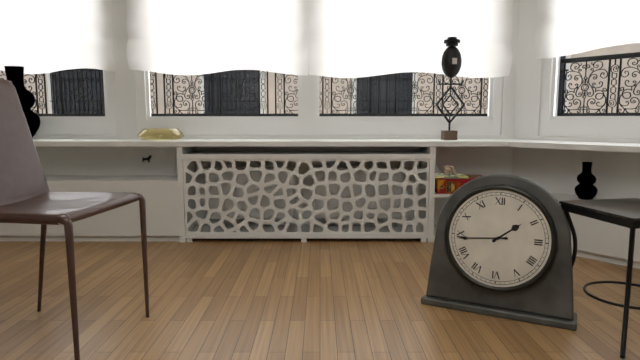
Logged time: 1:44
